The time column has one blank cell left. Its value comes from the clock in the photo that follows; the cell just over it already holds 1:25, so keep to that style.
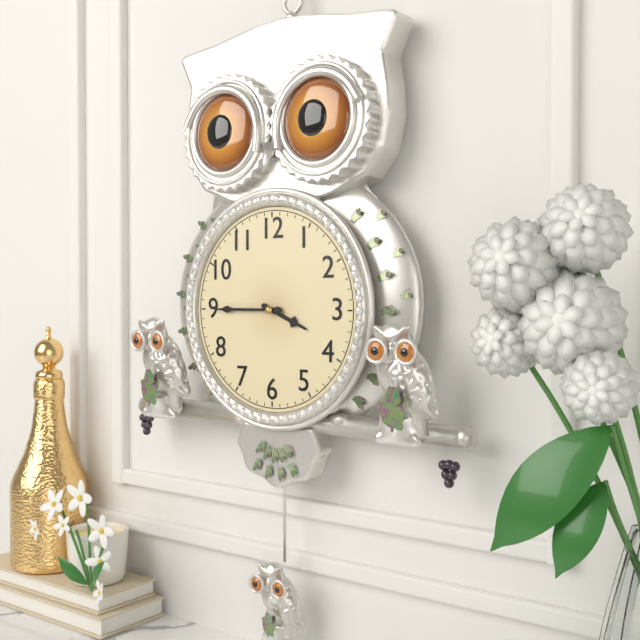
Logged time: 3:45
